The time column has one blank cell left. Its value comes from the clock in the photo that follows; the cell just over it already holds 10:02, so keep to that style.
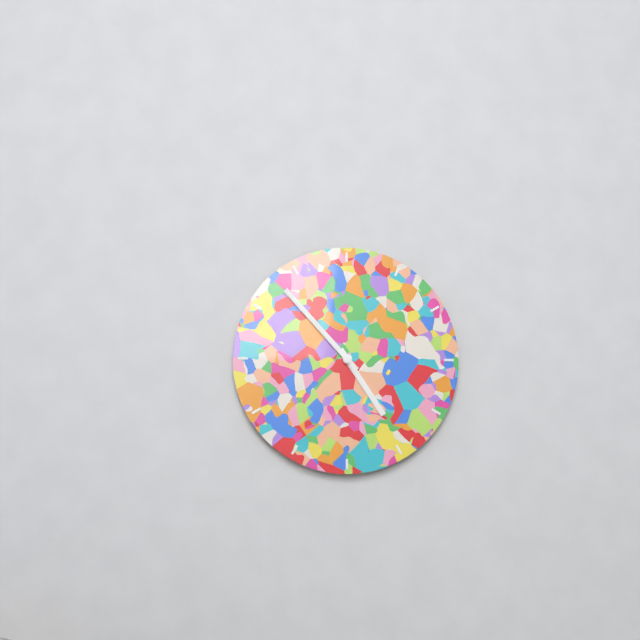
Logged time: 4:53
